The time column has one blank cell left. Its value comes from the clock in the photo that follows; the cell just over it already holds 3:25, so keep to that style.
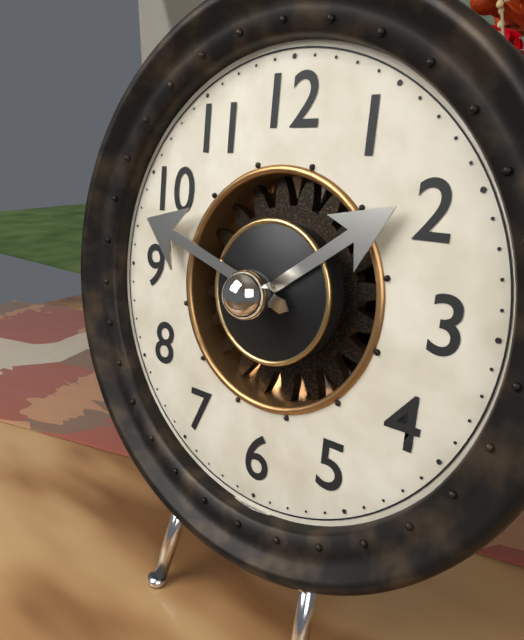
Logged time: 1:48
